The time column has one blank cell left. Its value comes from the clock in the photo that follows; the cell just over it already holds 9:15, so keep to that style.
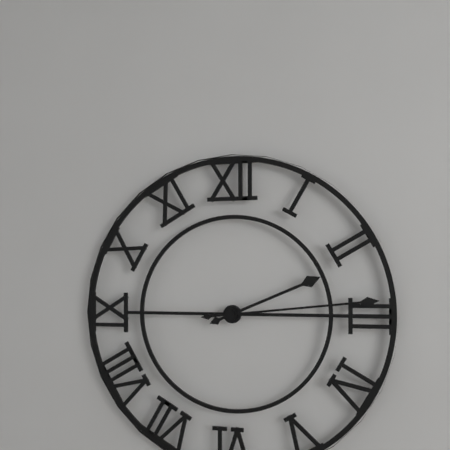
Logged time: 2:14
